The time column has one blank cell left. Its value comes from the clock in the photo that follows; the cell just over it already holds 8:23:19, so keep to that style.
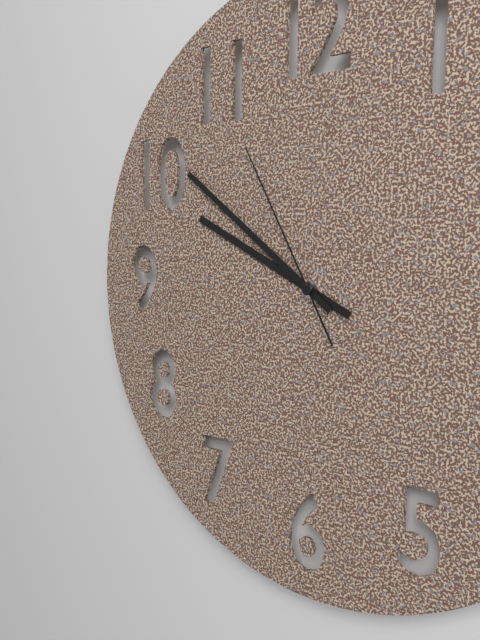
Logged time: 9:51:55
